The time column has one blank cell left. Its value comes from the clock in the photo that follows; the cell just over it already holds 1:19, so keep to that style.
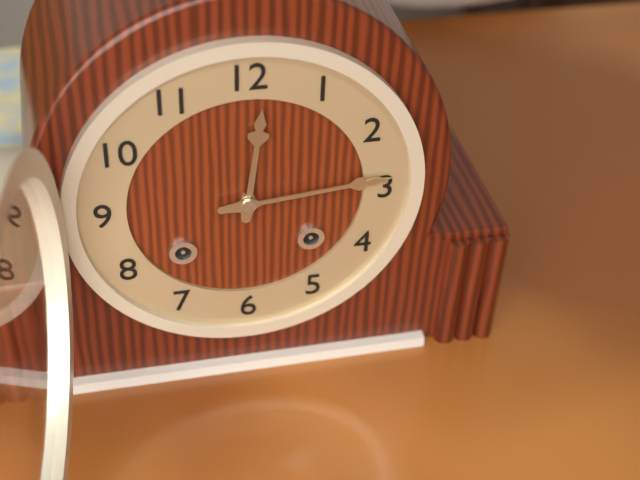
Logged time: 12:14
